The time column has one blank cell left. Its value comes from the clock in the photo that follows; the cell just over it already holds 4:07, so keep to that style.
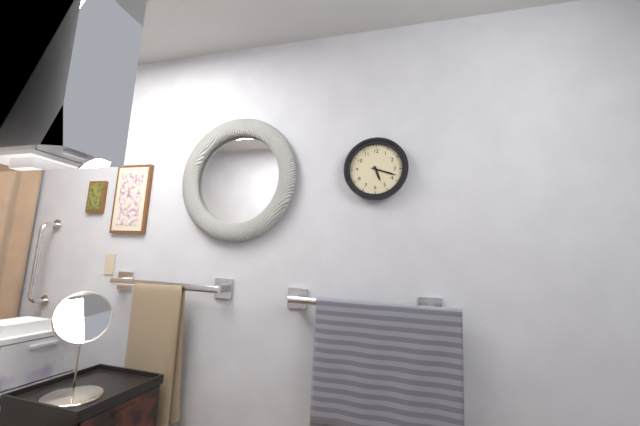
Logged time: 5:18
